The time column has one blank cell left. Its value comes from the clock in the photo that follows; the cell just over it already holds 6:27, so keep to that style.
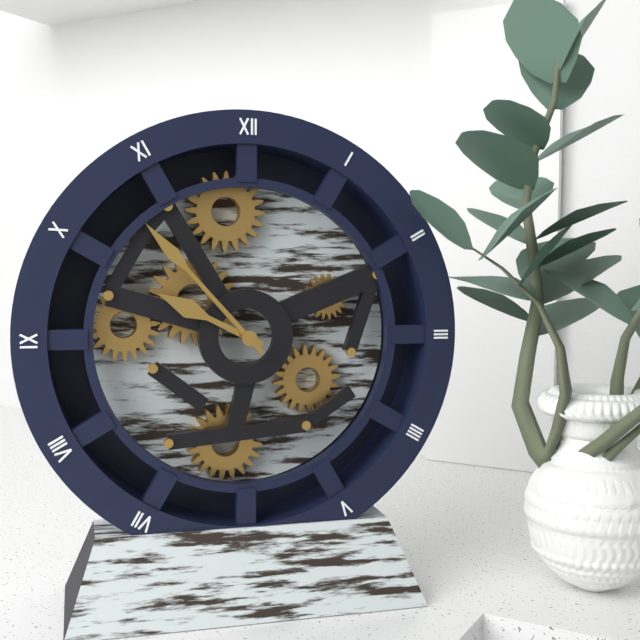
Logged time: 9:53
